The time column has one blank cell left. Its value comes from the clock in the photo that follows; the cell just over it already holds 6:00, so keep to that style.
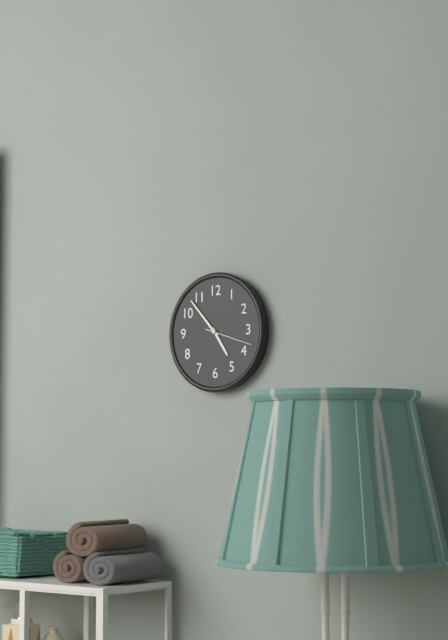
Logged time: 4:53
